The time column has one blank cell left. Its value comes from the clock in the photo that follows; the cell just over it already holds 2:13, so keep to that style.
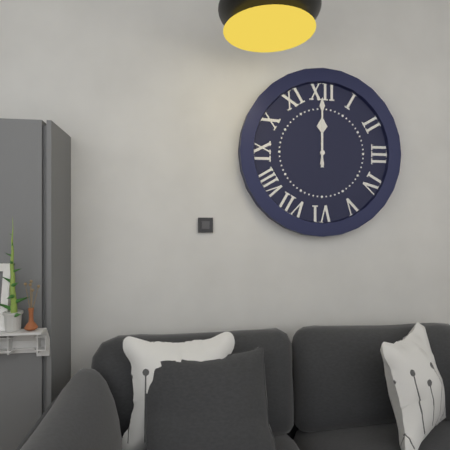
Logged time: 12:00
